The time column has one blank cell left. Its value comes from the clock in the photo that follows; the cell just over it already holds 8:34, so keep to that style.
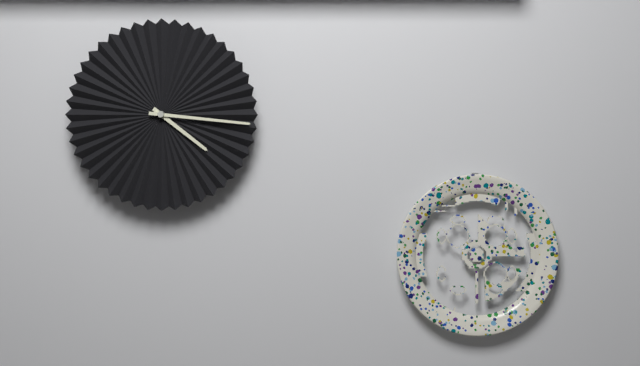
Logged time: 4:16
